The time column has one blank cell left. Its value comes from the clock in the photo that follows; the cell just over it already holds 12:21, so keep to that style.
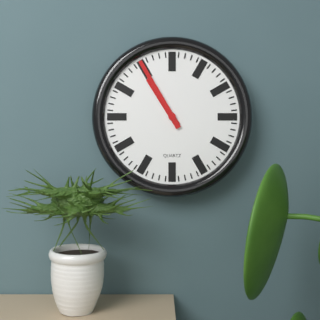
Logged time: 10:55
